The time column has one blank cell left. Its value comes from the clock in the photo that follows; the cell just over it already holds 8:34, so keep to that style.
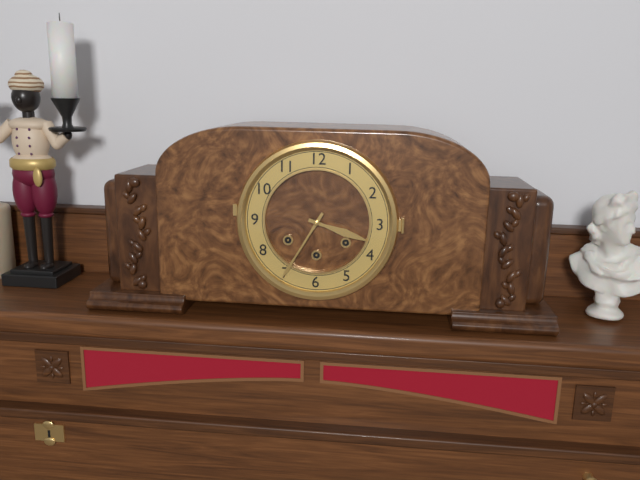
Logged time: 3:35
